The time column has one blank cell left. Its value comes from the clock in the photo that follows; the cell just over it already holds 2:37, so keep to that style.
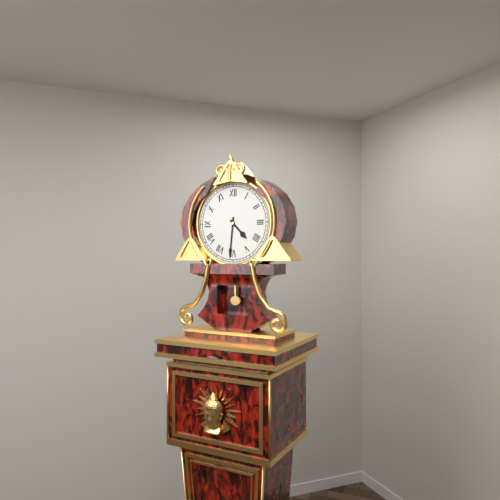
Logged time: 4:31
